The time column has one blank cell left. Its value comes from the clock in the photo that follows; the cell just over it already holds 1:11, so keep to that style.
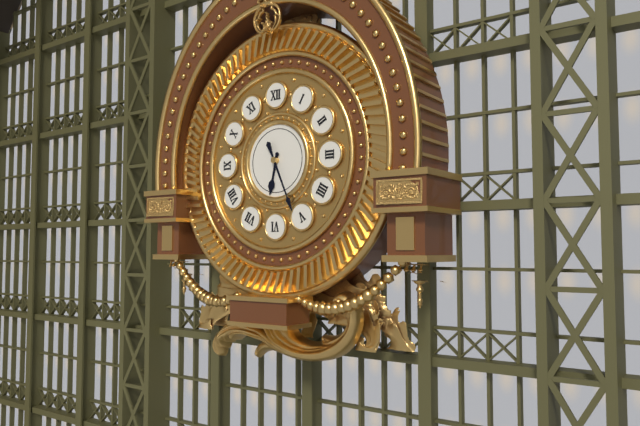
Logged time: 6:26
